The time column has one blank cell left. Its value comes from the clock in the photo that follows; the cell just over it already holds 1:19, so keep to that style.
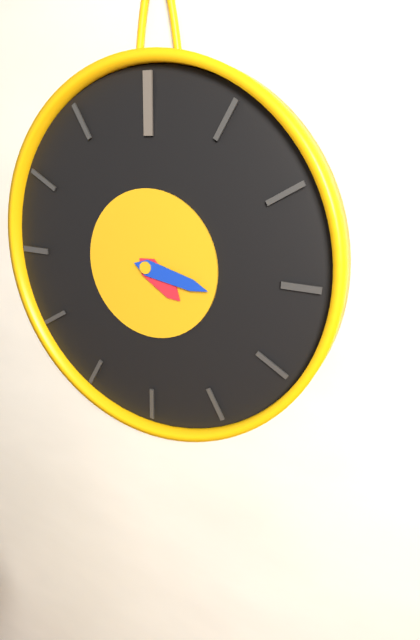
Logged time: 4:17
